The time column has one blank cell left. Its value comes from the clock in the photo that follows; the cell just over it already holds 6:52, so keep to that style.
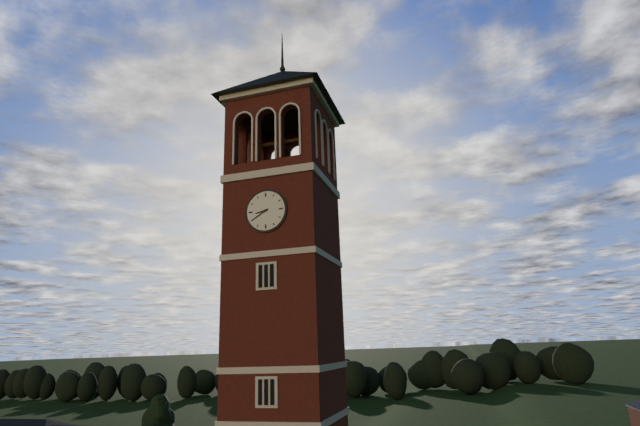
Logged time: 8:40
